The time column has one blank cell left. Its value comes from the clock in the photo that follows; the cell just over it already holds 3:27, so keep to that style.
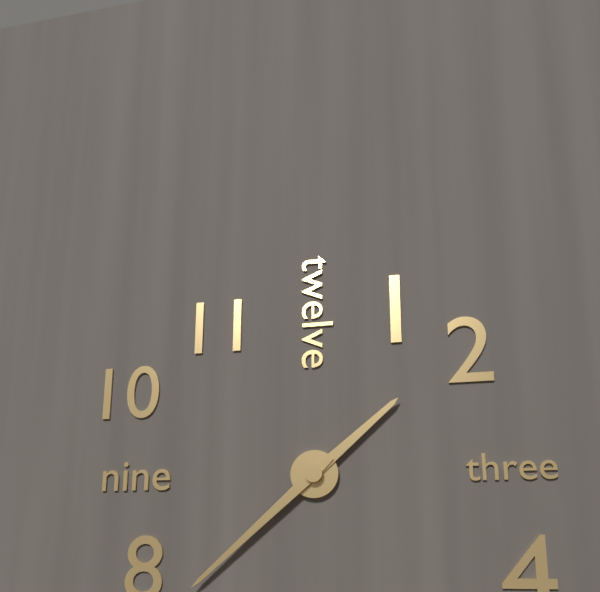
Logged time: 1:38
